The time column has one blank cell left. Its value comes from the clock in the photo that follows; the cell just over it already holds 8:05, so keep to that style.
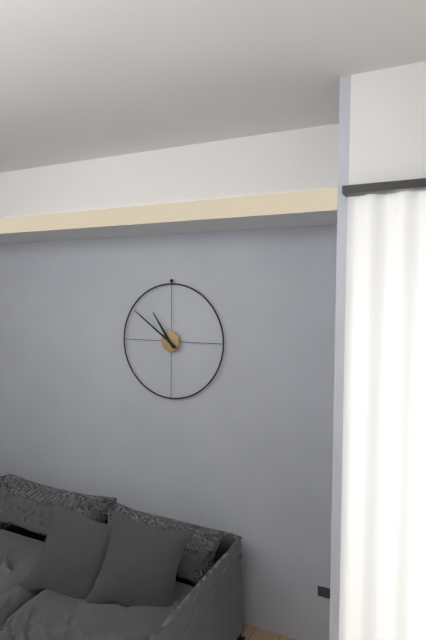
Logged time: 10:51
